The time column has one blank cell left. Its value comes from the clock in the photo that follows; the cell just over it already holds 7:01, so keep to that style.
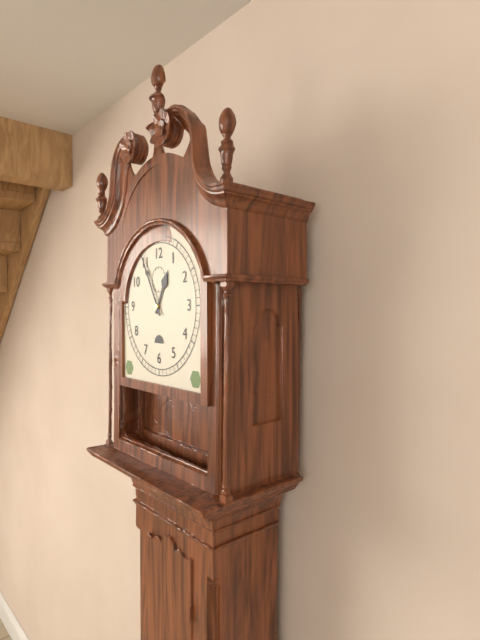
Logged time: 12:55
